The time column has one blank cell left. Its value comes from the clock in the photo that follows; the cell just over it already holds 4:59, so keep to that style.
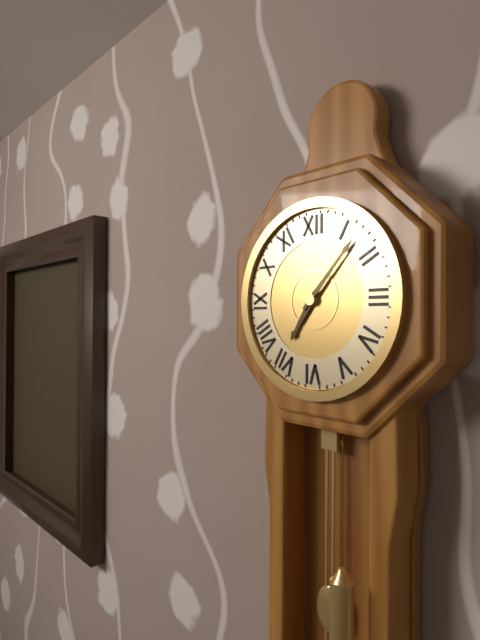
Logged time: 7:07
